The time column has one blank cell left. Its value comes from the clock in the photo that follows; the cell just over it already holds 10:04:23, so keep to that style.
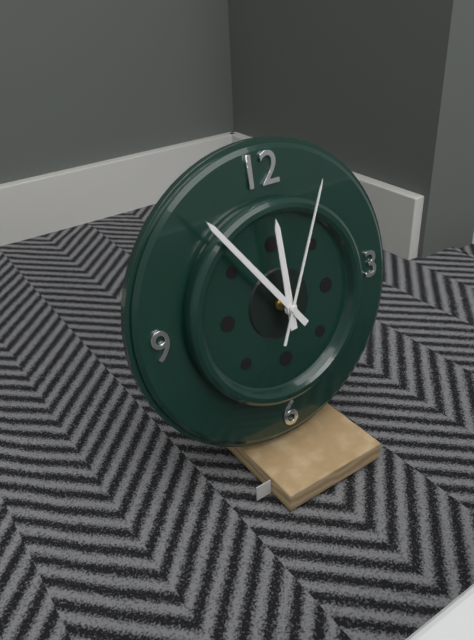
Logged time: 11:54:04
